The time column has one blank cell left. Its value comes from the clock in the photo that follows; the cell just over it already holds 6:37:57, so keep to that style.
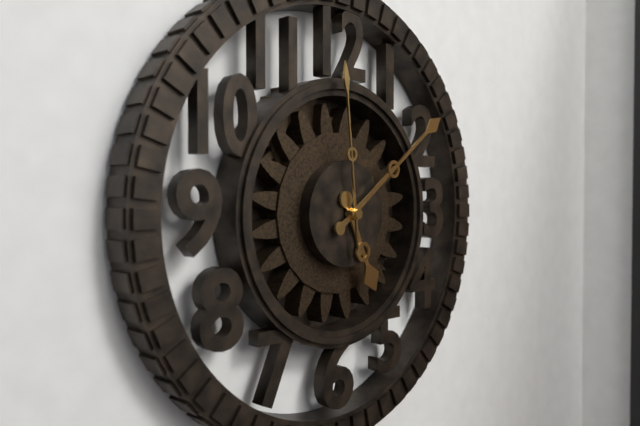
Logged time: 5:09:59
